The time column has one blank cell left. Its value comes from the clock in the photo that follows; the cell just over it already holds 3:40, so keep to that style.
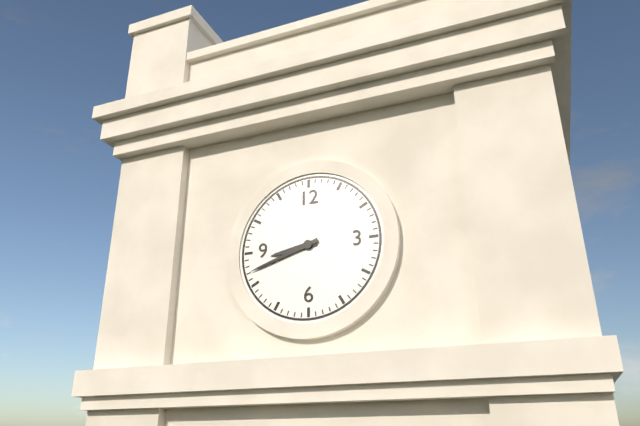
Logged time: 8:42
